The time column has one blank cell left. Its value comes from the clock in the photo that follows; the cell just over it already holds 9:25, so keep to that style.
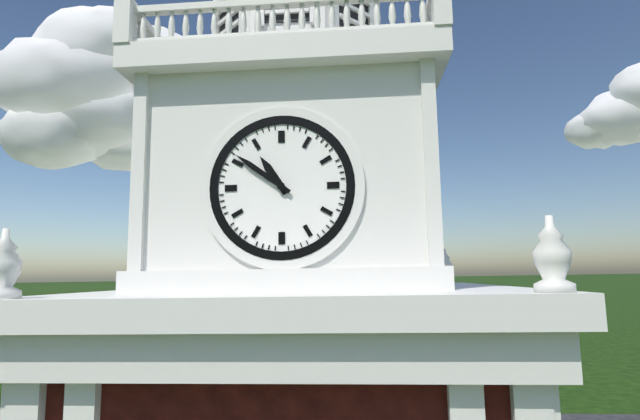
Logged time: 10:51
